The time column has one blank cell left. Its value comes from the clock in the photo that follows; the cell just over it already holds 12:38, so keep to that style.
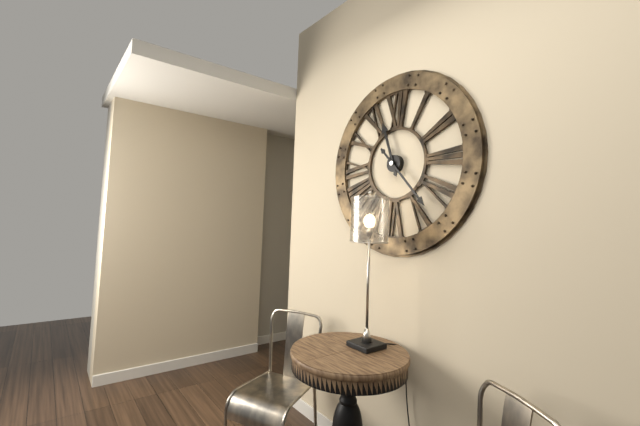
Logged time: 11:23
